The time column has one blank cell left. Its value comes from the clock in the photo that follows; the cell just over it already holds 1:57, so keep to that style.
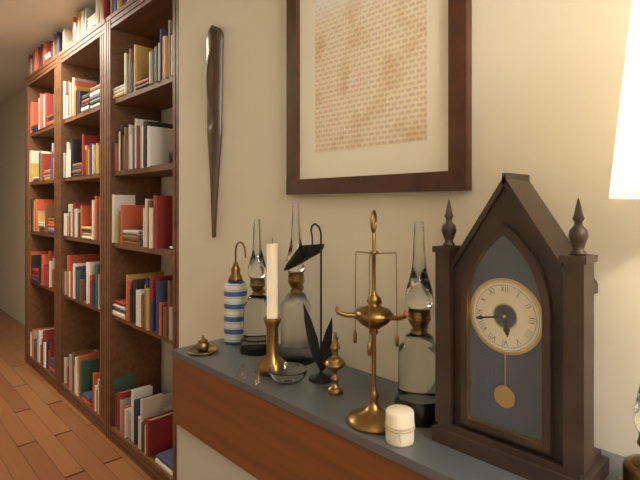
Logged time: 5:43
